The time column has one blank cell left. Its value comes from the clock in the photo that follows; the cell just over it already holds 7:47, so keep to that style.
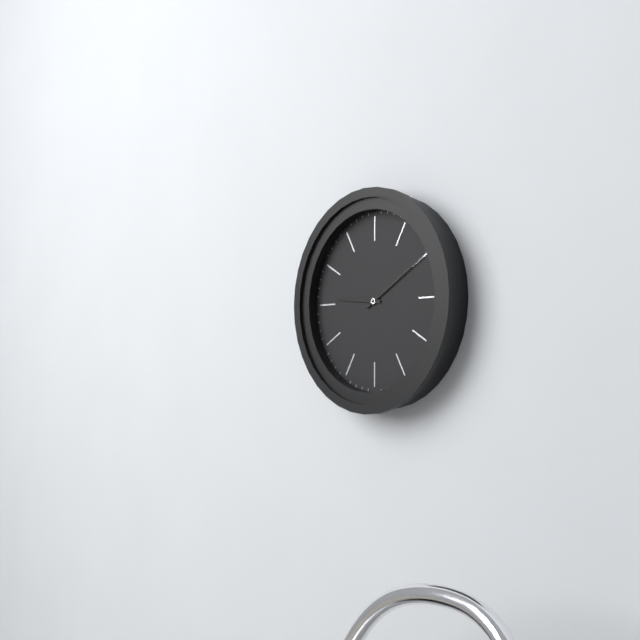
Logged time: 9:10
